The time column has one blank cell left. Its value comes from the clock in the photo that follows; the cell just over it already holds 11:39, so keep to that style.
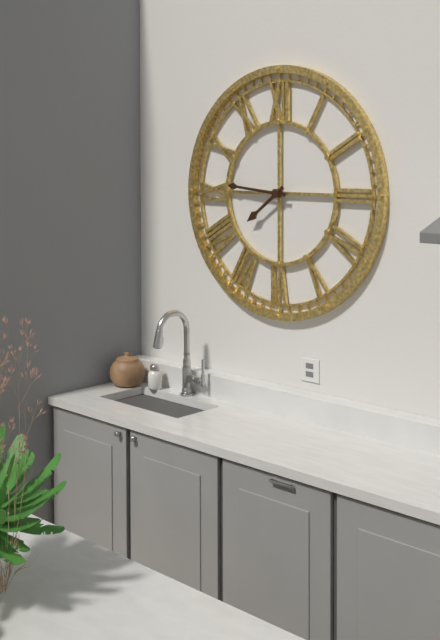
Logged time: 7:46
